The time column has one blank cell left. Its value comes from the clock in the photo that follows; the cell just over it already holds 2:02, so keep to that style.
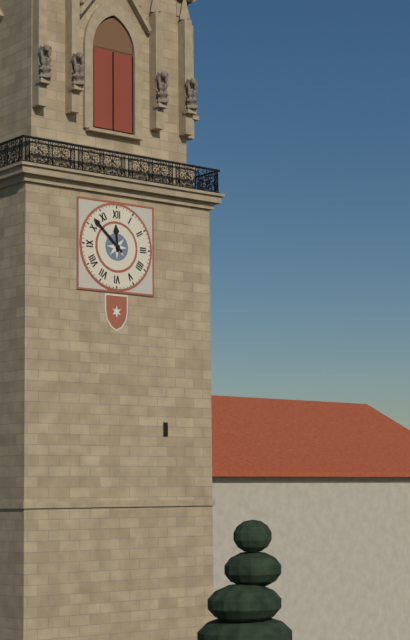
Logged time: 11:52
